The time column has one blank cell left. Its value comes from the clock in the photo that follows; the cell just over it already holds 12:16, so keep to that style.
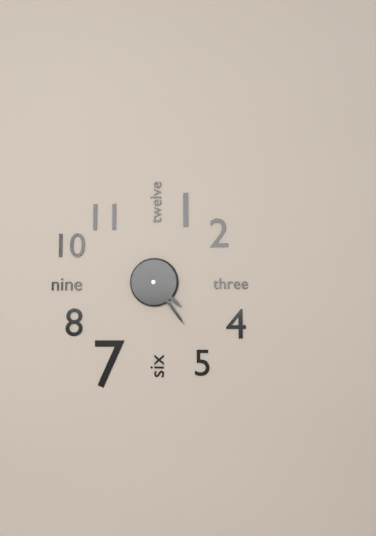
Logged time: 4:24
